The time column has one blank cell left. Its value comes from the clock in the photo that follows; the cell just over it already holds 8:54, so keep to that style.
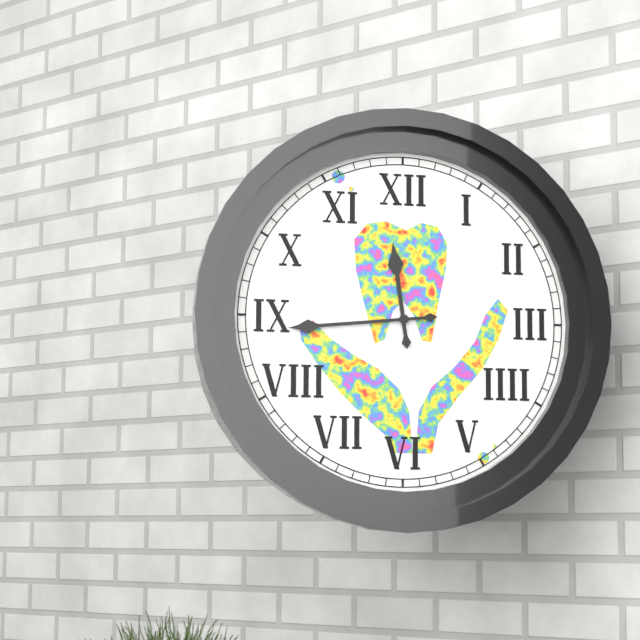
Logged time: 11:44
